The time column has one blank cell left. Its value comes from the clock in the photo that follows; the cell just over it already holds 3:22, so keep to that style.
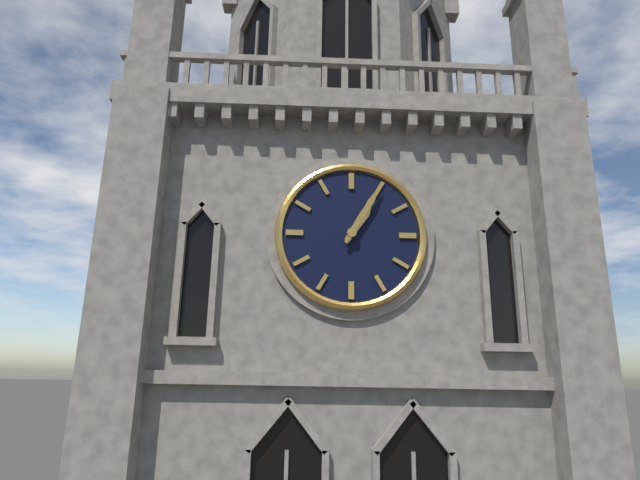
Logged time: 1:05
